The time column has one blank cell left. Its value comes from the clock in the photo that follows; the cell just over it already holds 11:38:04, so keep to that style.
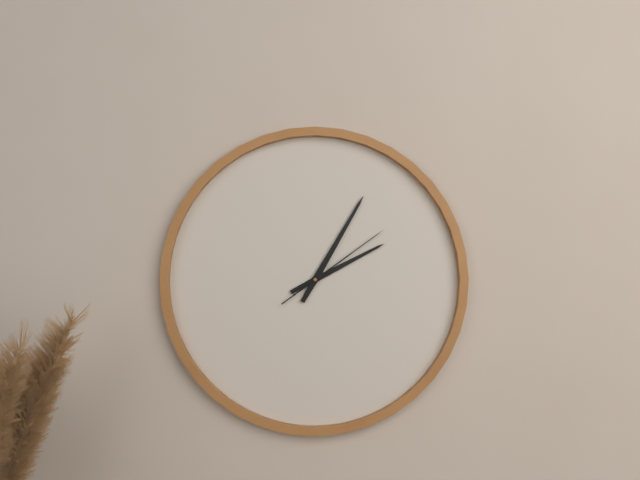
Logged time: 2:05:09
